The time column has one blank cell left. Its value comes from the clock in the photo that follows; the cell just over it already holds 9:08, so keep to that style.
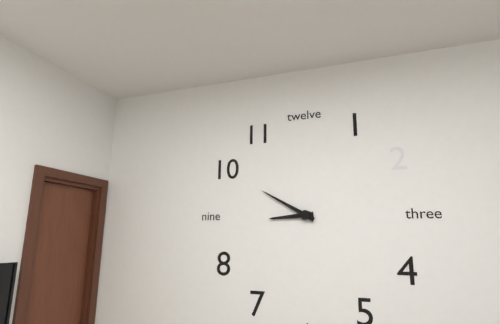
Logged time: 8:50
